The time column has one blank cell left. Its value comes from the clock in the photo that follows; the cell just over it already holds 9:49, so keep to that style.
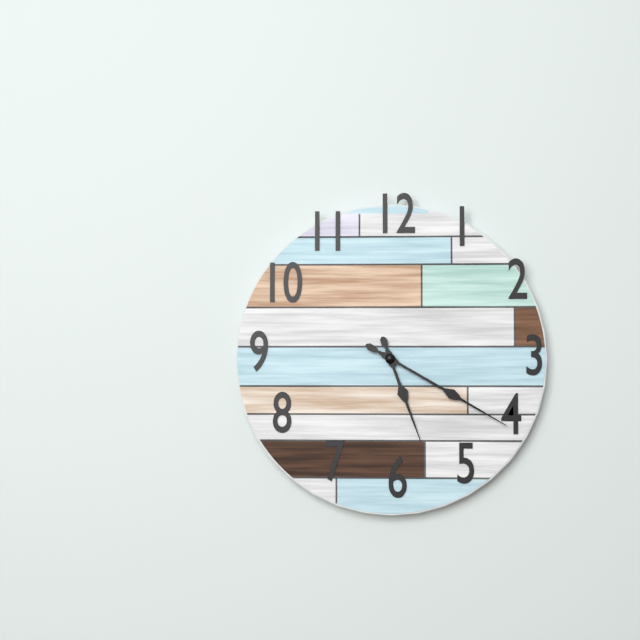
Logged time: 5:20
